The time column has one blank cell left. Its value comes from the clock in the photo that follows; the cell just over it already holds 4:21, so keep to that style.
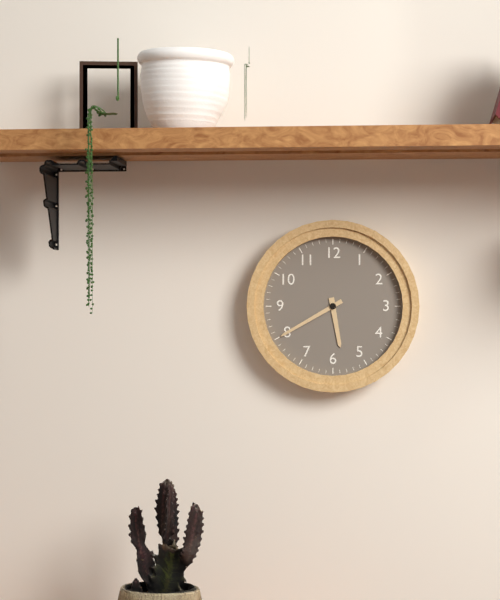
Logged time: 5:40
